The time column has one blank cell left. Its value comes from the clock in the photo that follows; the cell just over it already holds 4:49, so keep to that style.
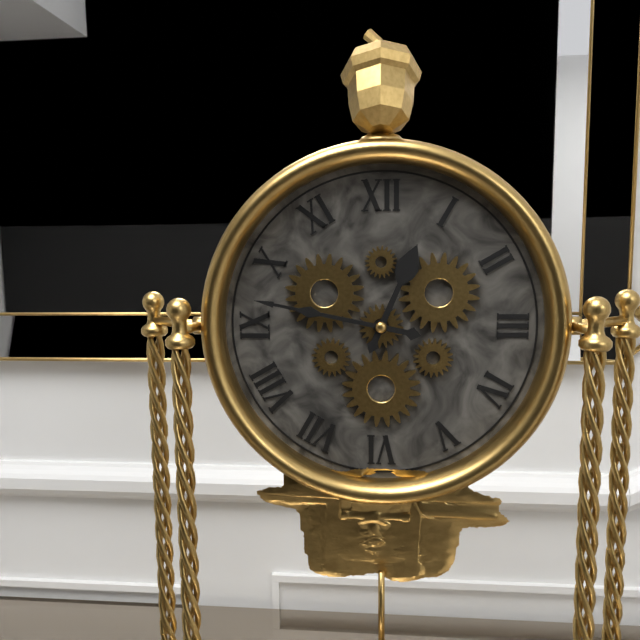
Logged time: 12:47
